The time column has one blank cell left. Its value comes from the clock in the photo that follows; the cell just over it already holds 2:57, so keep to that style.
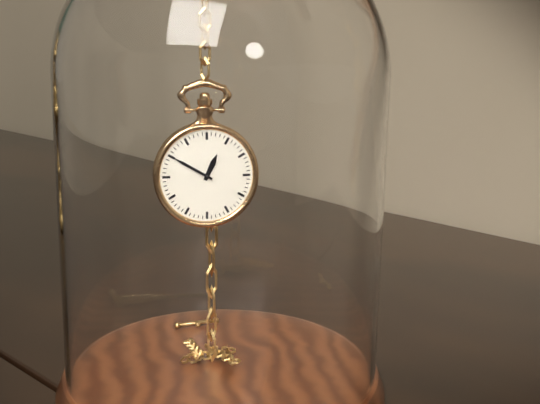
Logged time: 12:50
